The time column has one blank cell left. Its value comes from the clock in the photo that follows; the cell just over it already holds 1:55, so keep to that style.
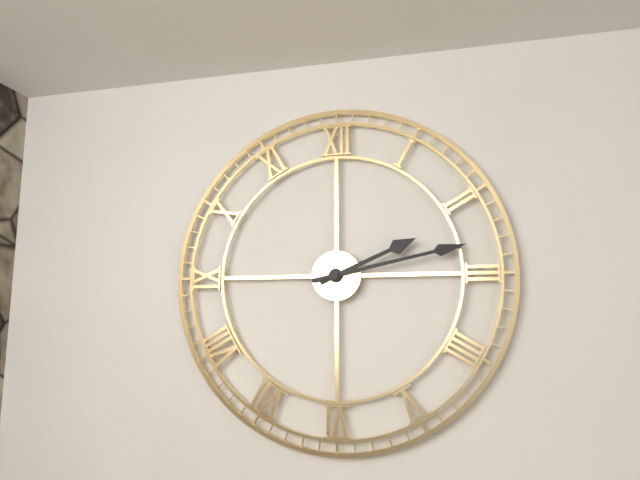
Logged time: 2:13
